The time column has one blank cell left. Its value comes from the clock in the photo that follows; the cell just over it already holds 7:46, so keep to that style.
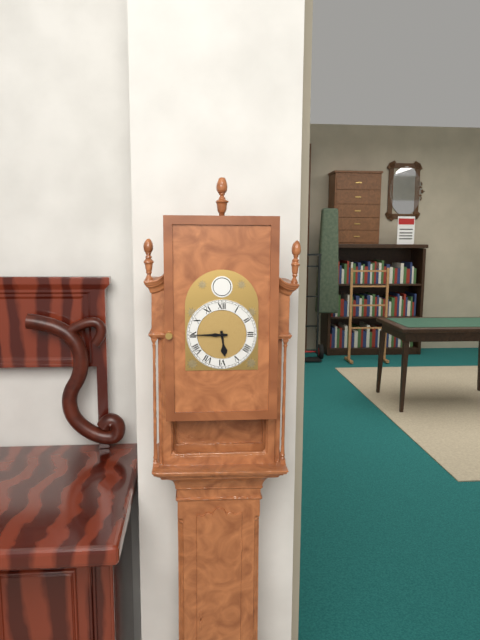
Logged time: 5:45
